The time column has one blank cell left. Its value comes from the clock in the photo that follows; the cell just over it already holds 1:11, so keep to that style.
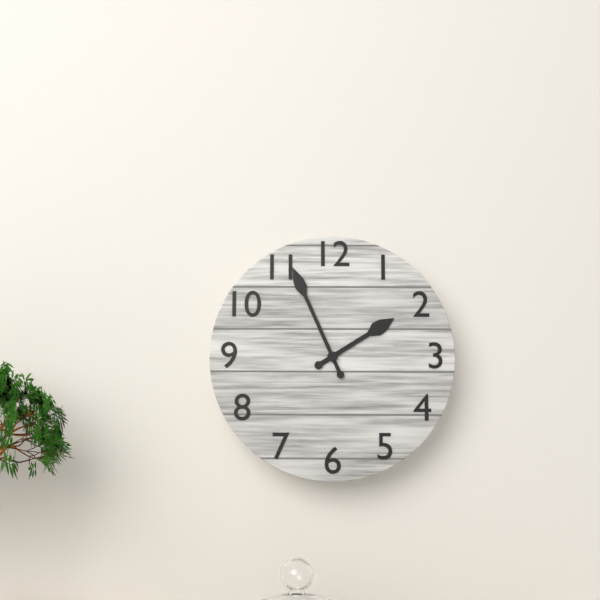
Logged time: 1:56
